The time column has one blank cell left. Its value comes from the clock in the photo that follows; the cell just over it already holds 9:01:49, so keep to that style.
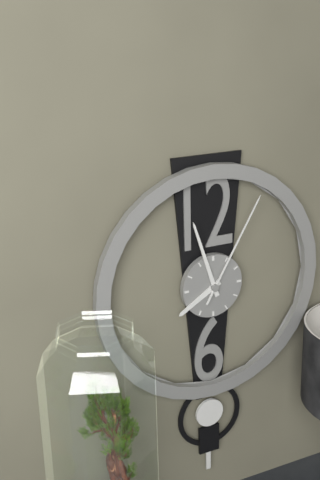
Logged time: 7:57:05
